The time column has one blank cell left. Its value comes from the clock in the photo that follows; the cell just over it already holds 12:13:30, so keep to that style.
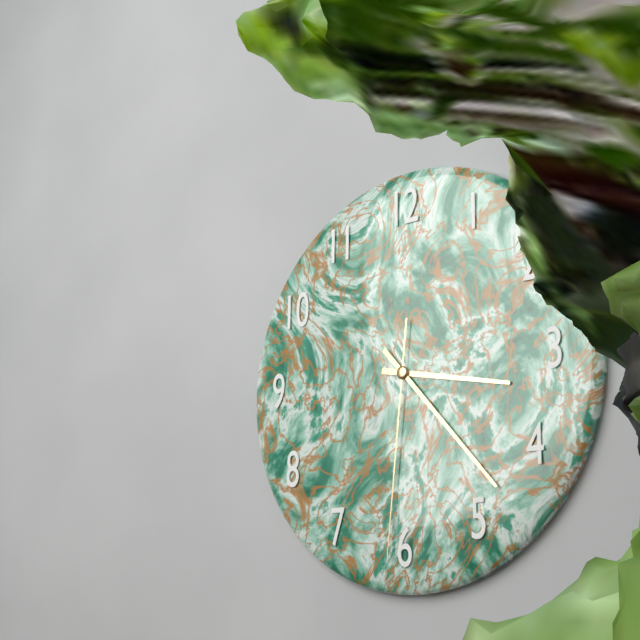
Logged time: 3:23:31
